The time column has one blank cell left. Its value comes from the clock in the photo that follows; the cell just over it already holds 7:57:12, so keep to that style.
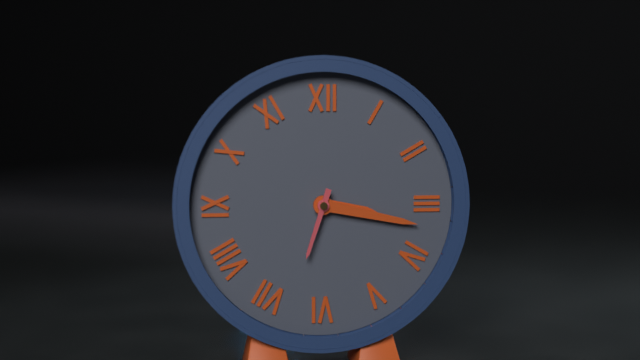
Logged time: 3:17:33
